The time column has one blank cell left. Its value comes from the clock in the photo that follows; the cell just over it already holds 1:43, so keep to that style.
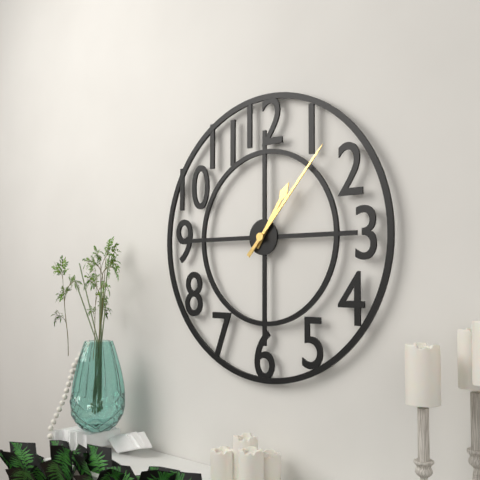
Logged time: 1:07
